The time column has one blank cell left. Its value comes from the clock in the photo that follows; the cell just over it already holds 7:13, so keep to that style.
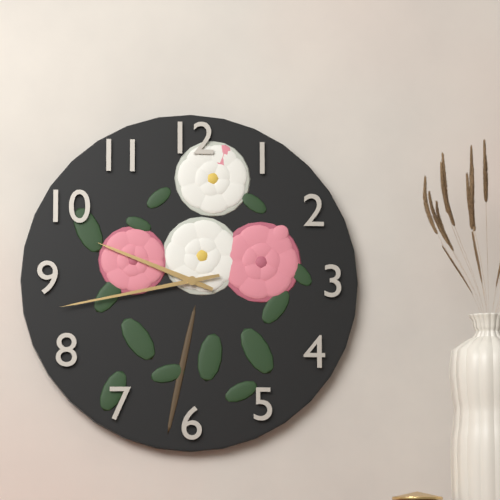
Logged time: 9:43
